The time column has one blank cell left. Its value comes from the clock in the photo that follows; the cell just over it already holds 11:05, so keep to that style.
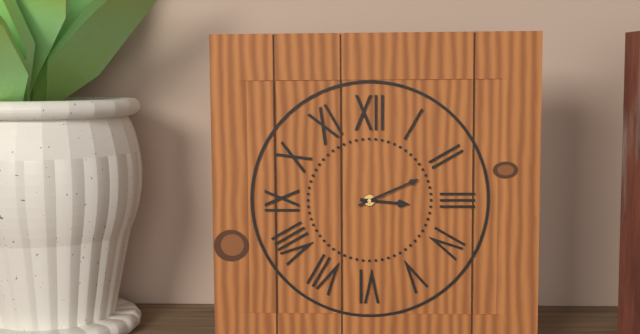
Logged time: 3:11
